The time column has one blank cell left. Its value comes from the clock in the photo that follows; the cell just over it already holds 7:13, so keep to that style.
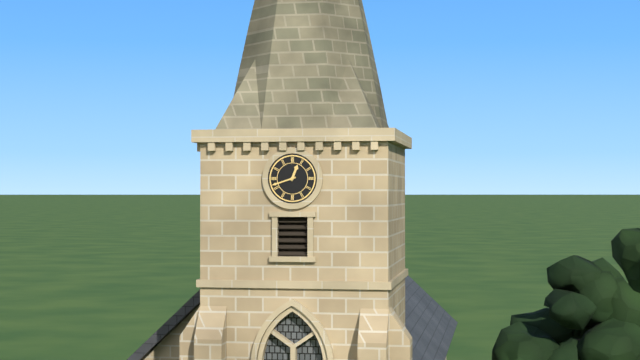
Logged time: 12:42
